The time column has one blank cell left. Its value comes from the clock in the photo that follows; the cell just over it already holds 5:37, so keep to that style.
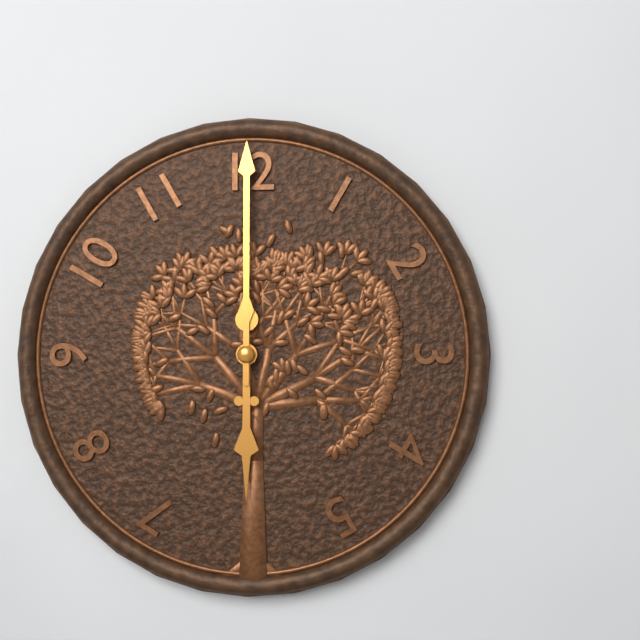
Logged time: 6:00
